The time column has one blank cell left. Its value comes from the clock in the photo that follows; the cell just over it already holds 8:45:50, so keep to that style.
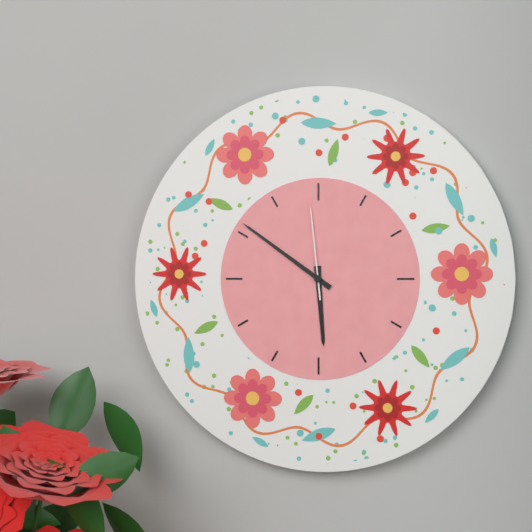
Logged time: 5:51:59
